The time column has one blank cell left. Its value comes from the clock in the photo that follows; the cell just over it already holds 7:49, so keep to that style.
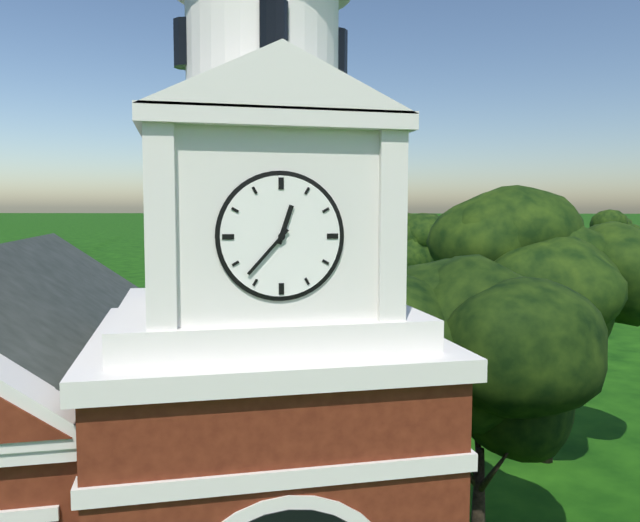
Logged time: 12:37
